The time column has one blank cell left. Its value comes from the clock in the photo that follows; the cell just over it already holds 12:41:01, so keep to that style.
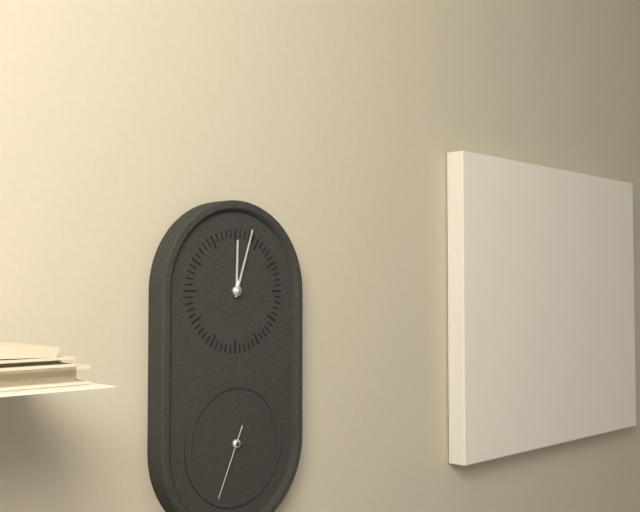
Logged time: 12:03:34
